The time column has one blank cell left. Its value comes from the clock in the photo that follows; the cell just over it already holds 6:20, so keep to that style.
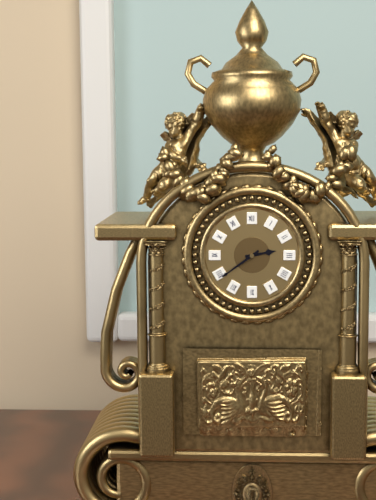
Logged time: 2:39
